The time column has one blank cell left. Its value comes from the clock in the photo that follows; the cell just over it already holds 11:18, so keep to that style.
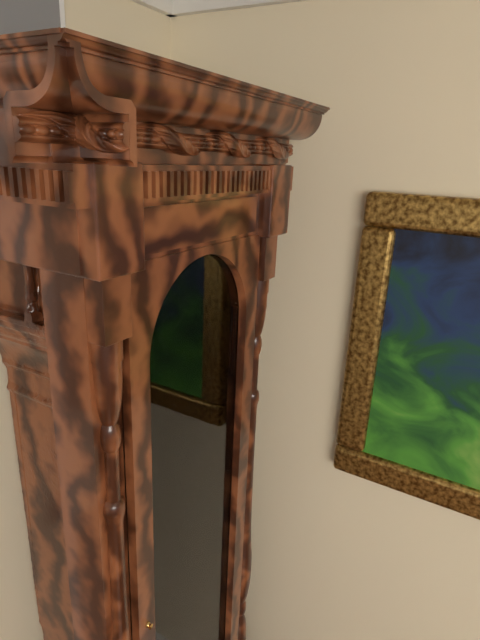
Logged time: 12:15
